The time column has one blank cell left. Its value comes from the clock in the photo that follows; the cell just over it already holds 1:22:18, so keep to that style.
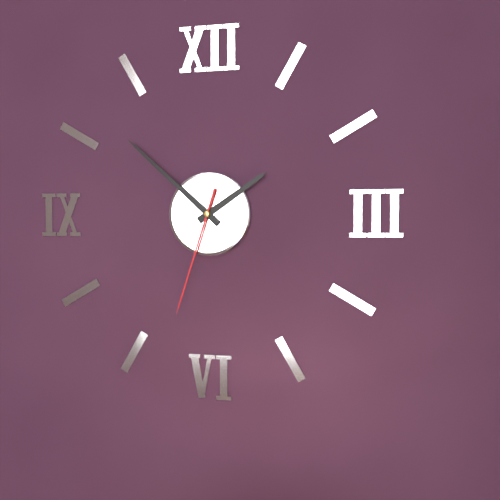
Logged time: 1:52:33
